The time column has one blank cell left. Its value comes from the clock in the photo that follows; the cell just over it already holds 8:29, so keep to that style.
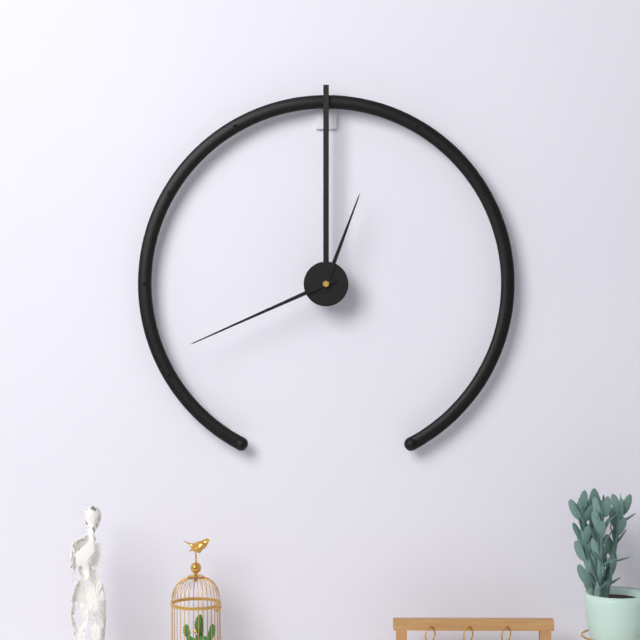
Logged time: 12:41
